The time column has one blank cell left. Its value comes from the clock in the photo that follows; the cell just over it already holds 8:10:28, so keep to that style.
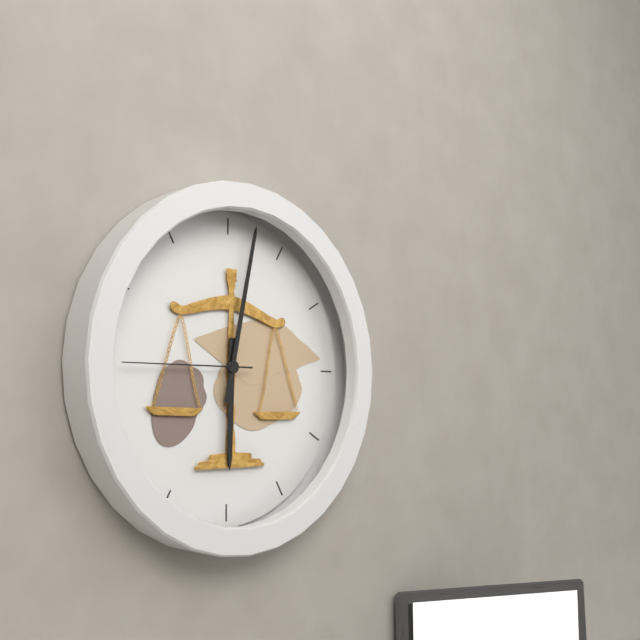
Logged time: 6:02:45
